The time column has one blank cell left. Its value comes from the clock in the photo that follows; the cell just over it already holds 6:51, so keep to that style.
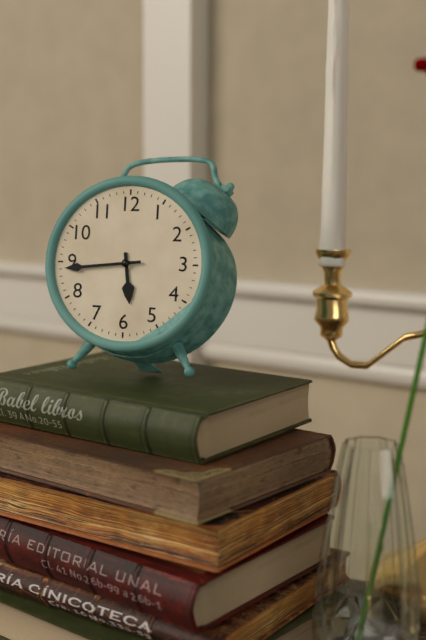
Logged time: 5:44
